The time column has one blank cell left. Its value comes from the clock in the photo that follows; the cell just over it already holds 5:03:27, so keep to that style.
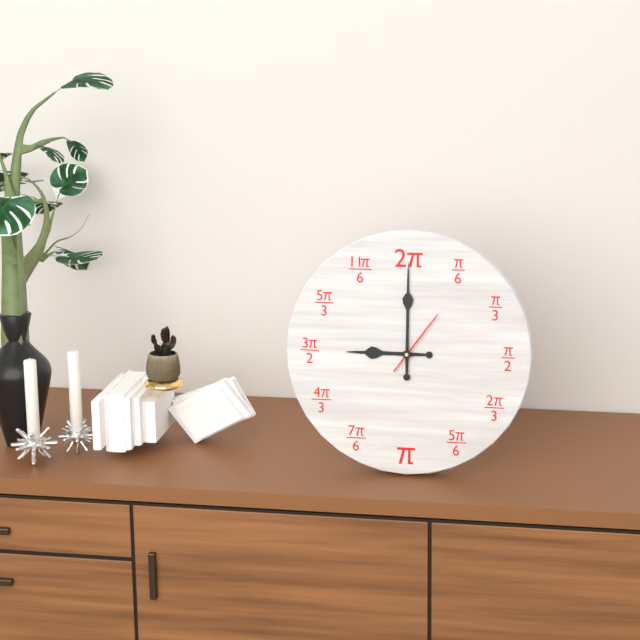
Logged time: 9:00:06
